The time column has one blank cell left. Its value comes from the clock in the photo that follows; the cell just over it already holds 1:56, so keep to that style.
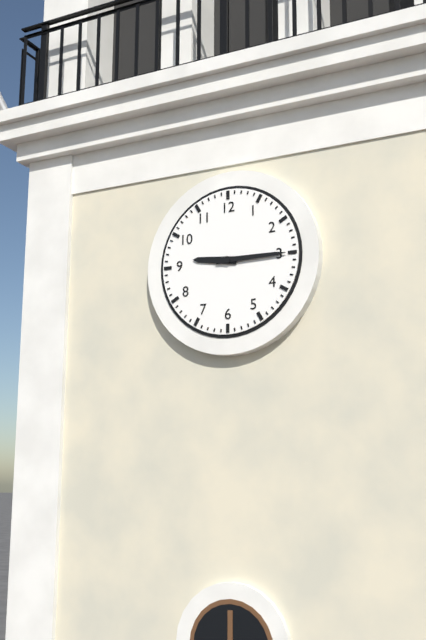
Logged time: 9:15
